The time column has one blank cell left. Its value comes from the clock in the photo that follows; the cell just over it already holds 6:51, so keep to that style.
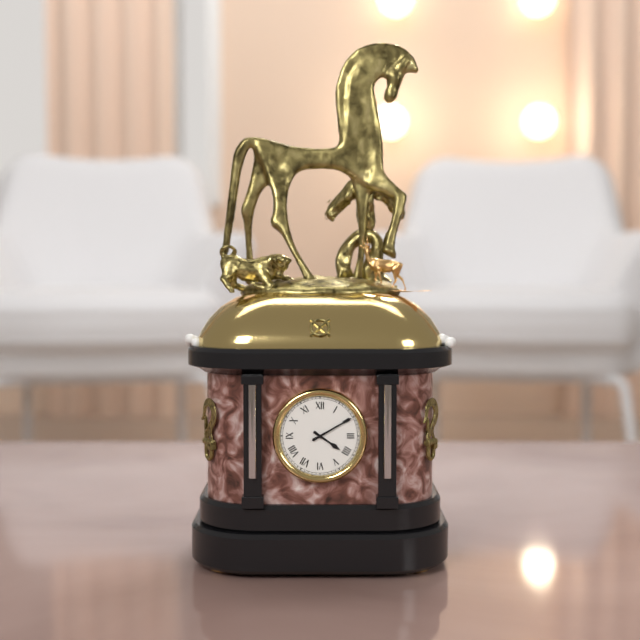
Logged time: 4:10
